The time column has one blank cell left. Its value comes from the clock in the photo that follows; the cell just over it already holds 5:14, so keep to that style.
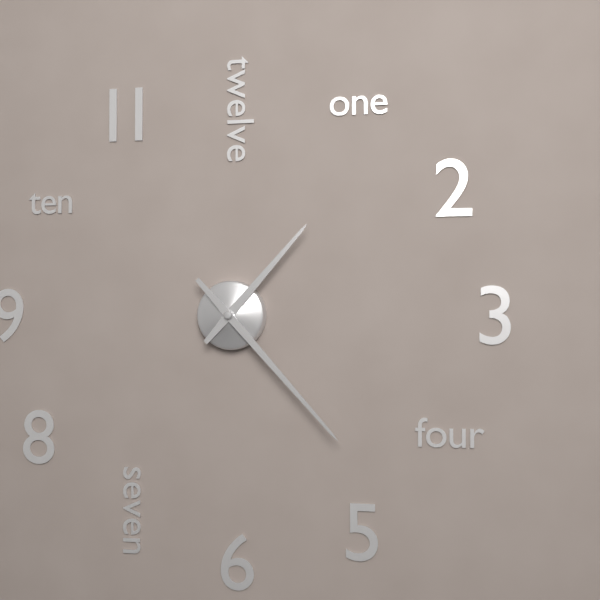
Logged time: 1:23
